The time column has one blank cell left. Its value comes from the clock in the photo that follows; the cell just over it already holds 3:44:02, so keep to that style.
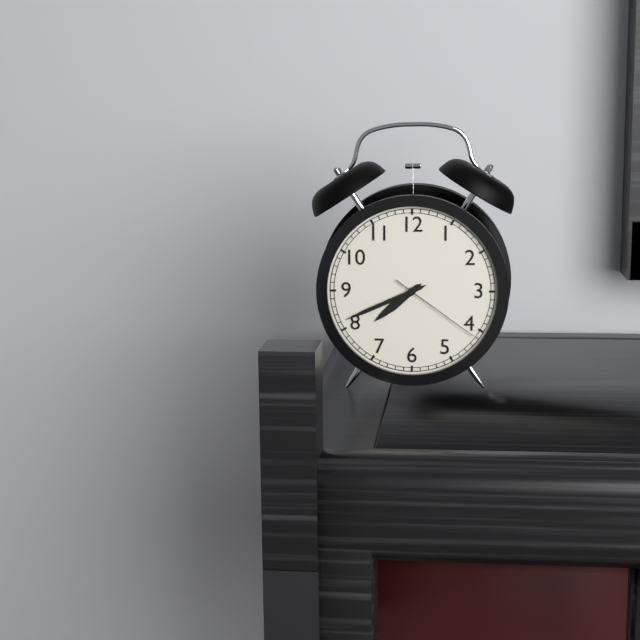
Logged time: 7:41:21
